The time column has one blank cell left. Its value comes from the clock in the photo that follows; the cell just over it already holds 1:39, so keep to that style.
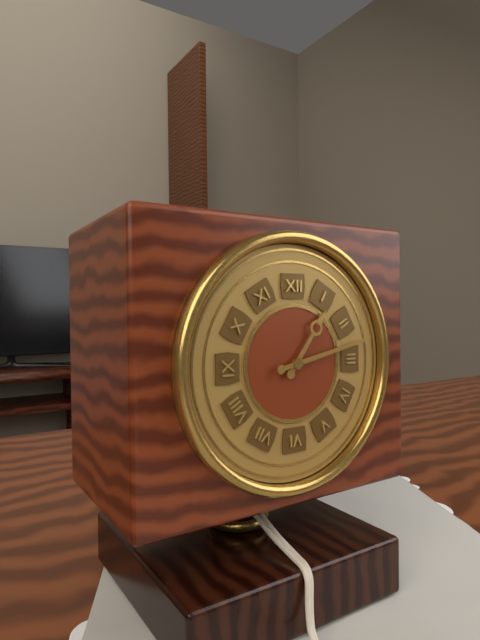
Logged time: 1:13
